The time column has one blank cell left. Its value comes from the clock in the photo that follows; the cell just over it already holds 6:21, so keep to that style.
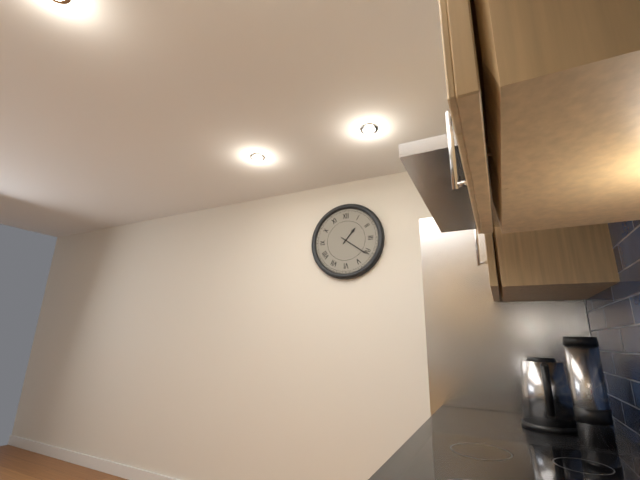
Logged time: 1:21
